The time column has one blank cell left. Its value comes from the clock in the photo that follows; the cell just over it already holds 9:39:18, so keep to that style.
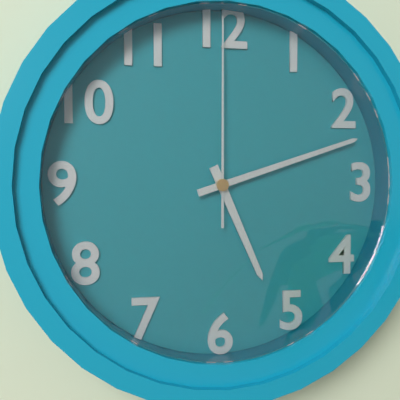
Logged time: 5:12:00
